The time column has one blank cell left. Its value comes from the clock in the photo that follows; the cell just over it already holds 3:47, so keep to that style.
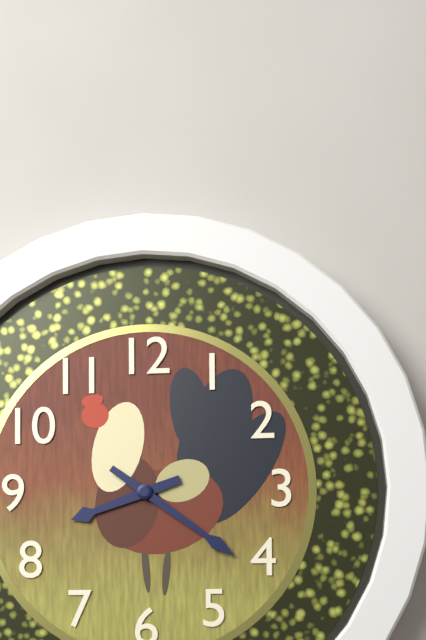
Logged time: 8:21
